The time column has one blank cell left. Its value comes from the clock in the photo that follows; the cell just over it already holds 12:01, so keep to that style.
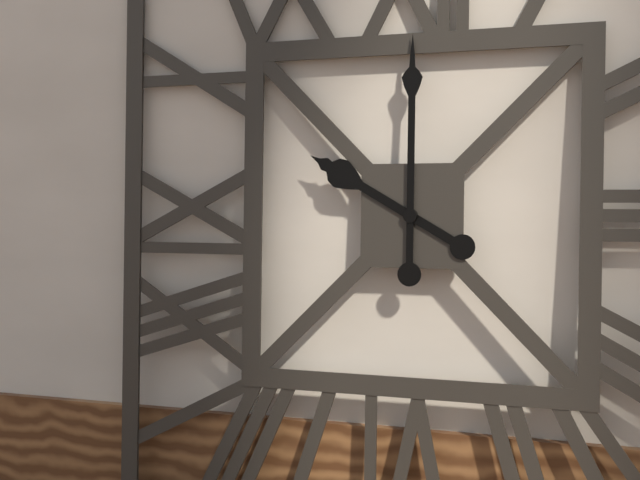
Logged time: 10:00
